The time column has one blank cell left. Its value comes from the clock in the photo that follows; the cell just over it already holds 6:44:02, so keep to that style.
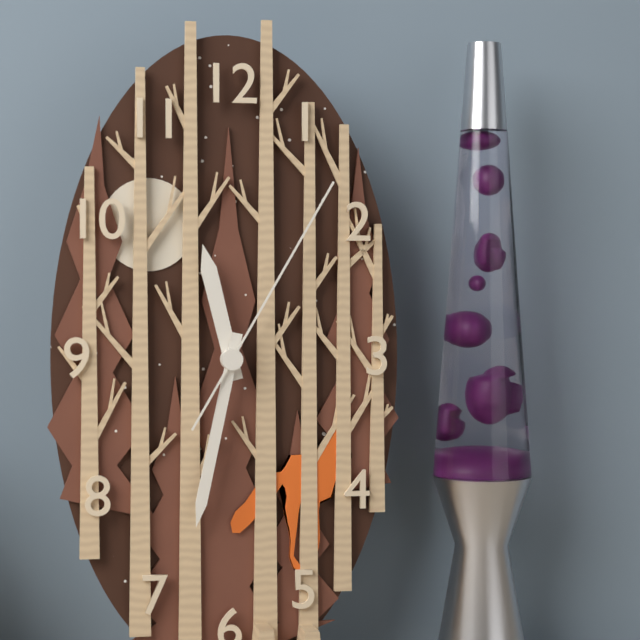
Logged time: 11:32:05
